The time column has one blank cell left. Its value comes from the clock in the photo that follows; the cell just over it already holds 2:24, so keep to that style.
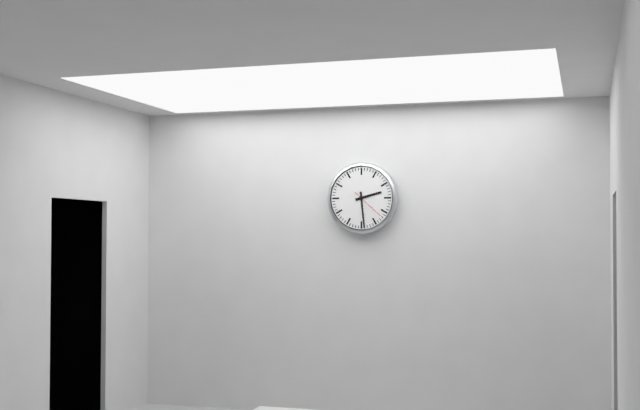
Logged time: 2:29
